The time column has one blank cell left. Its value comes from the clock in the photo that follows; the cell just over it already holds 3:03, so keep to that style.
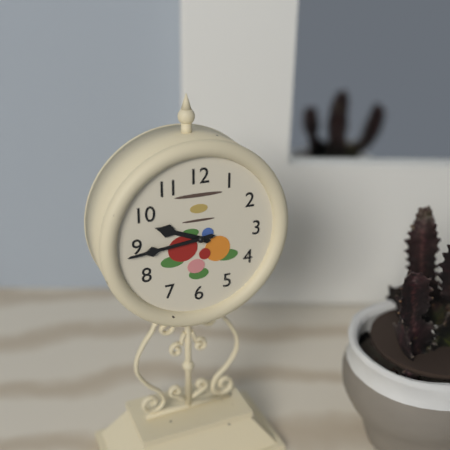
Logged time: 9:44
